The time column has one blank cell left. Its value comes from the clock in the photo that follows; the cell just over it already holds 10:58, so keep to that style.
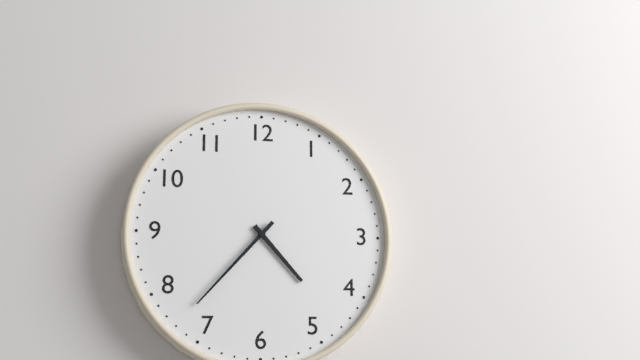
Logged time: 4:37
